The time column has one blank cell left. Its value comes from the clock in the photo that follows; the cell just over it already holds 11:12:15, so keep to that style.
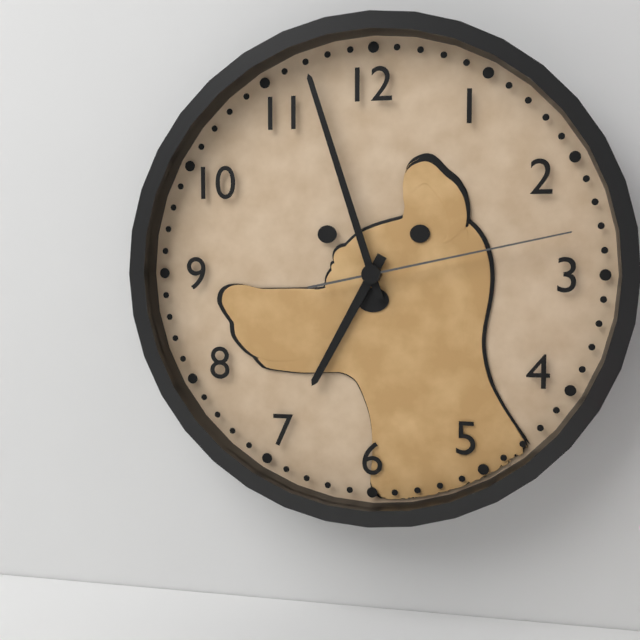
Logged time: 6:57:13
